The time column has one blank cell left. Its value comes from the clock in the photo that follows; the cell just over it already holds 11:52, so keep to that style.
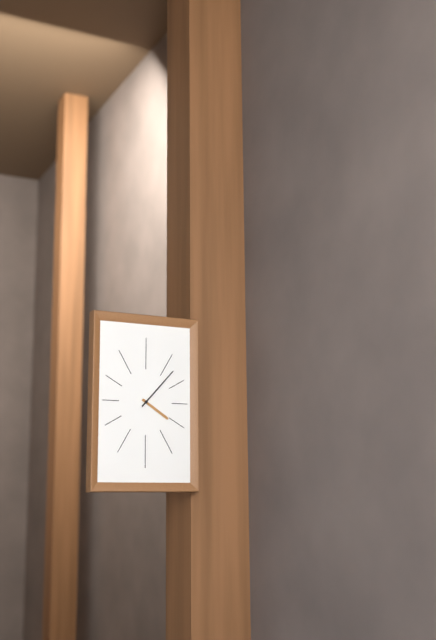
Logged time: 4:07
